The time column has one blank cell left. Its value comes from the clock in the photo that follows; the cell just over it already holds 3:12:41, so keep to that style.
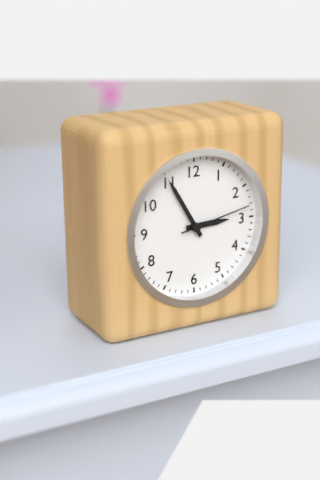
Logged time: 2:55:13
